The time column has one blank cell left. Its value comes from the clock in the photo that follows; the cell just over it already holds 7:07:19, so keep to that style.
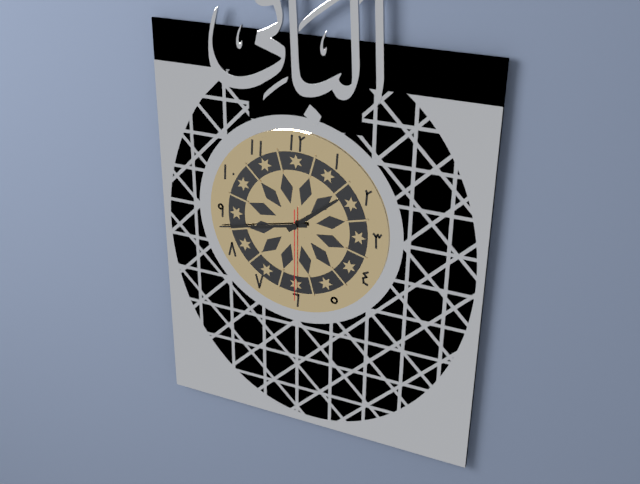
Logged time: 1:43:30
